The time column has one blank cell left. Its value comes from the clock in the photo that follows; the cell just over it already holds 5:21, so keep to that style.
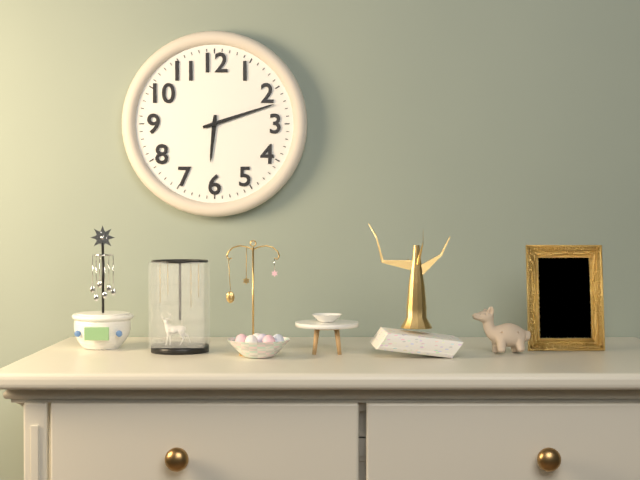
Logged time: 6:12
